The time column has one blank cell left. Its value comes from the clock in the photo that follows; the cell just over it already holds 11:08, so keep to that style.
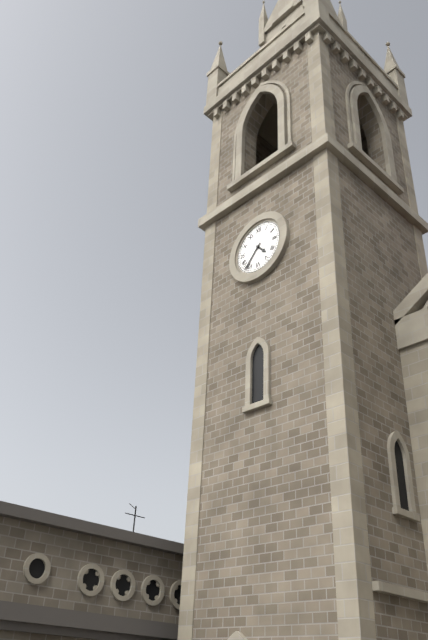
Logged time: 4:37
